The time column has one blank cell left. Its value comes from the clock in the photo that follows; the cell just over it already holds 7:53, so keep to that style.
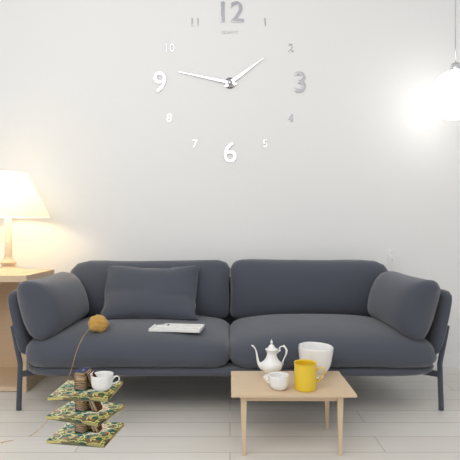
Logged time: 1:47
